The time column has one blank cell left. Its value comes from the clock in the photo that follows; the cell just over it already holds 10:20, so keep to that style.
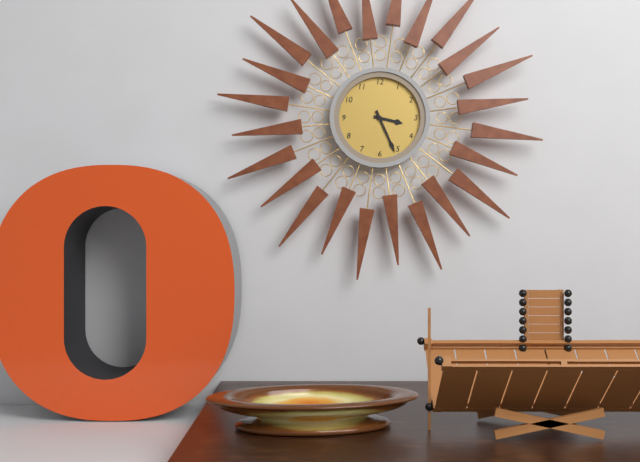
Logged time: 3:26
